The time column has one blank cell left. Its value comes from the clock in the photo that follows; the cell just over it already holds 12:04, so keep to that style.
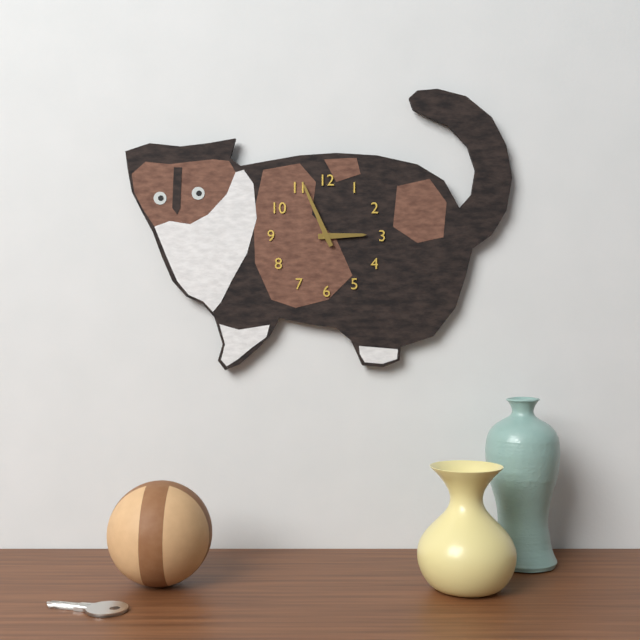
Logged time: 2:56
